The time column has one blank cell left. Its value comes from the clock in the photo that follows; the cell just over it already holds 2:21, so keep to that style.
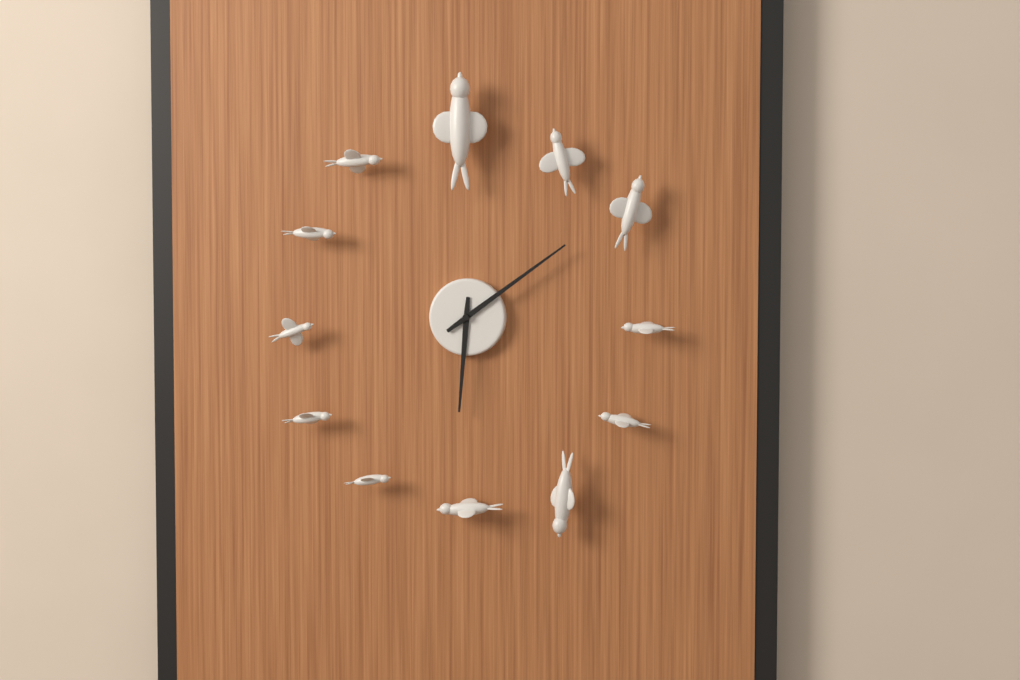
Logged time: 6:09
